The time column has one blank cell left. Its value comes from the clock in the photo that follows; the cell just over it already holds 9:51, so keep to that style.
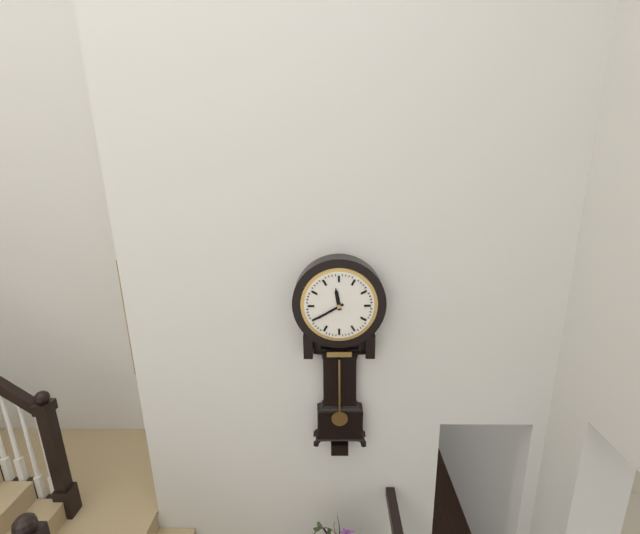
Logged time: 11:40
